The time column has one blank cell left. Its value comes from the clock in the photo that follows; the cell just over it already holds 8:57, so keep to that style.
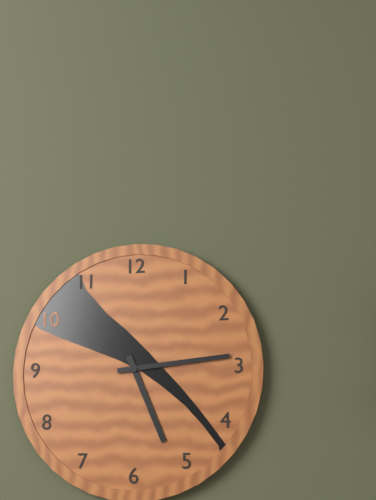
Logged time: 5:14
